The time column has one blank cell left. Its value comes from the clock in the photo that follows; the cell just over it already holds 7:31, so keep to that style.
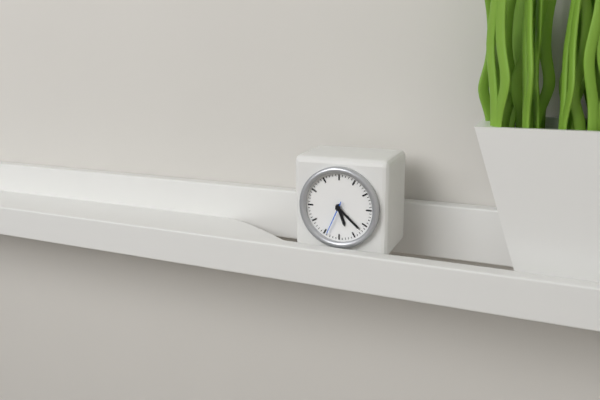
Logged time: 5:22
